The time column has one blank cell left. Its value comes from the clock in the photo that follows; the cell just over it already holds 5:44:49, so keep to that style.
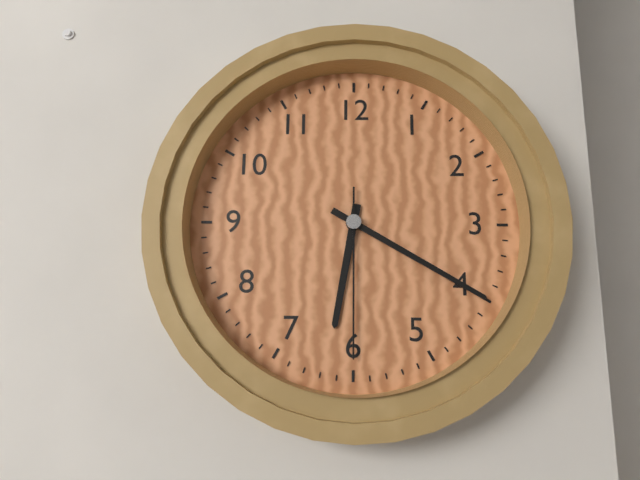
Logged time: 6:20:30
